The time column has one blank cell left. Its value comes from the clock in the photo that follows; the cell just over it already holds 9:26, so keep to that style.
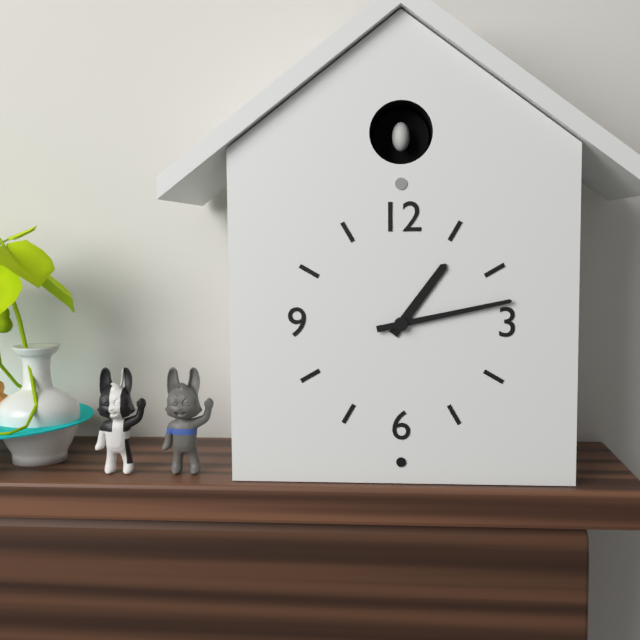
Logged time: 1:13
